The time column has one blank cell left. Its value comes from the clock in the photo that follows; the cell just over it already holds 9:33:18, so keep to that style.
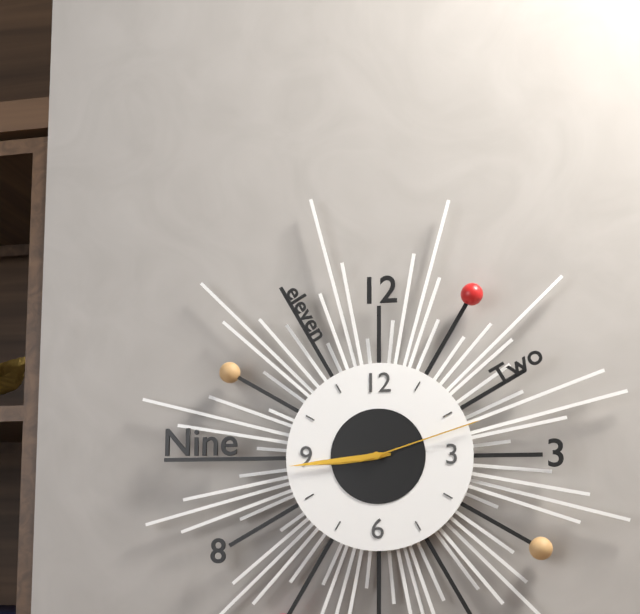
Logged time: 8:44:12
